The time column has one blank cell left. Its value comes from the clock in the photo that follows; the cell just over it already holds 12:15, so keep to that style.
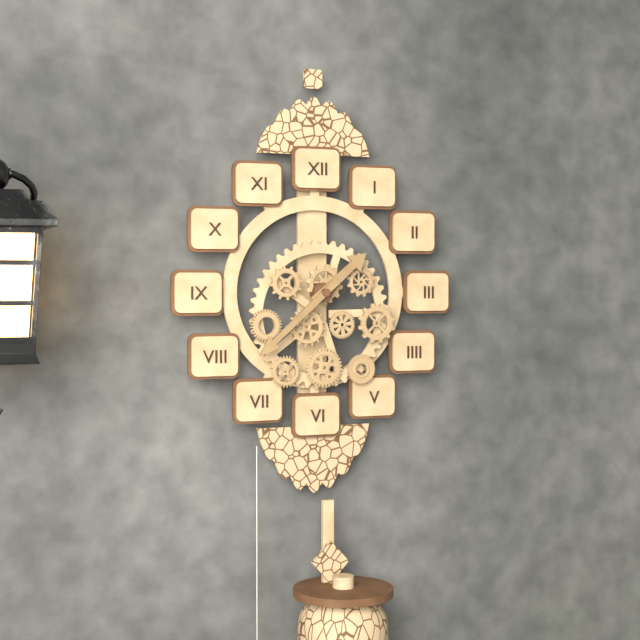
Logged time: 1:38
